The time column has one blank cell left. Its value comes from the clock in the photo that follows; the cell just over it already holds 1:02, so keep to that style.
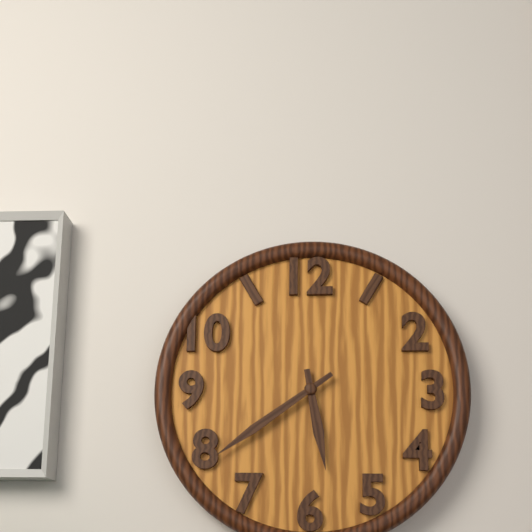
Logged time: 5:39
